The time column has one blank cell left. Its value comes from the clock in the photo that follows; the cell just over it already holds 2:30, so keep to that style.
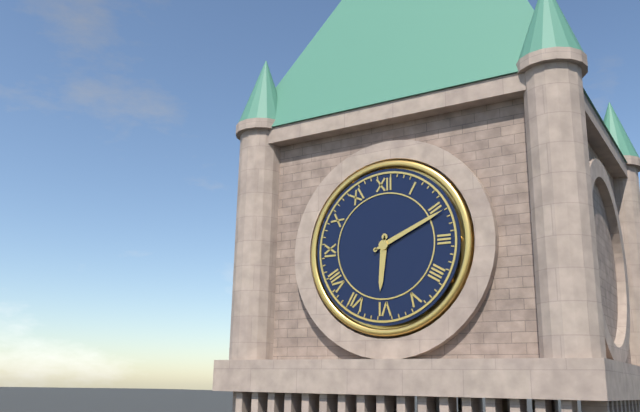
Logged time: 6:11
